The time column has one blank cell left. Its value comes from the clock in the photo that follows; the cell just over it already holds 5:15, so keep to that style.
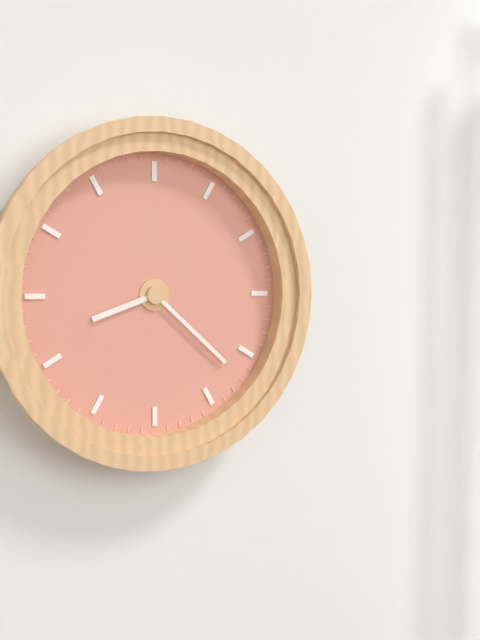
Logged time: 8:22
